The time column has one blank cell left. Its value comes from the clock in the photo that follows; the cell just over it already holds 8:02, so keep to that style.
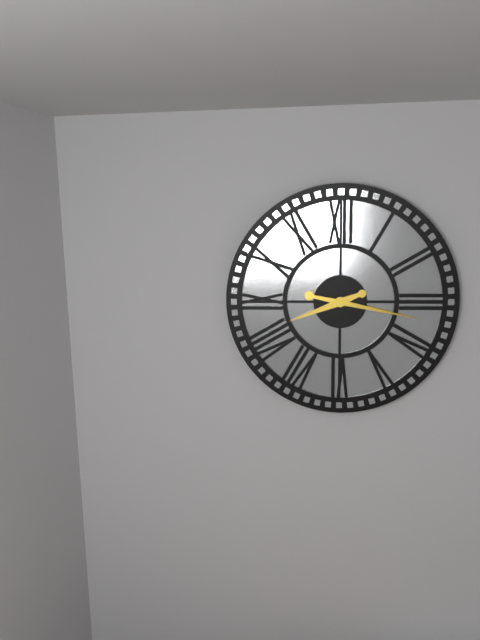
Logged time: 8:17
